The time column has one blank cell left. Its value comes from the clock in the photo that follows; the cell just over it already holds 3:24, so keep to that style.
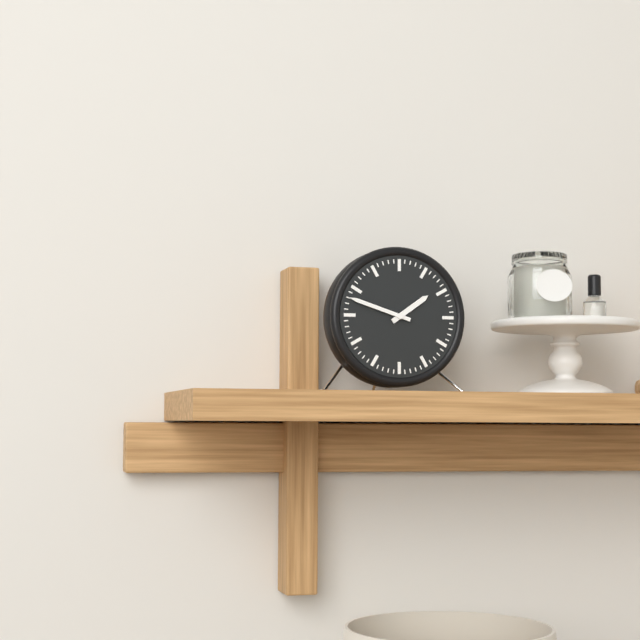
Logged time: 1:48
